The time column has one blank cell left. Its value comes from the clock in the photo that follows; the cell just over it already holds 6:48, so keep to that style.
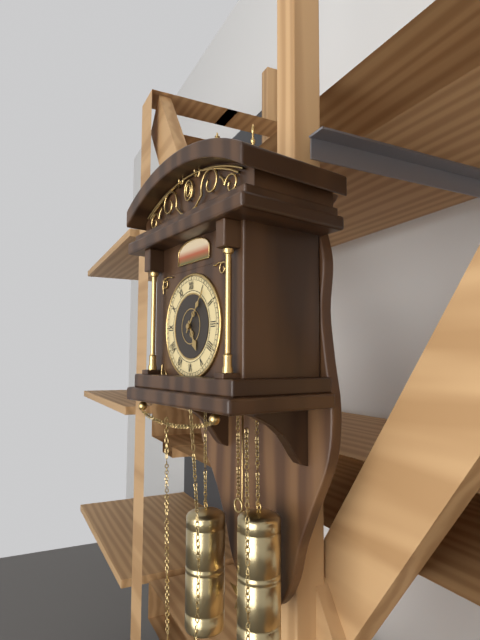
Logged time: 5:06
